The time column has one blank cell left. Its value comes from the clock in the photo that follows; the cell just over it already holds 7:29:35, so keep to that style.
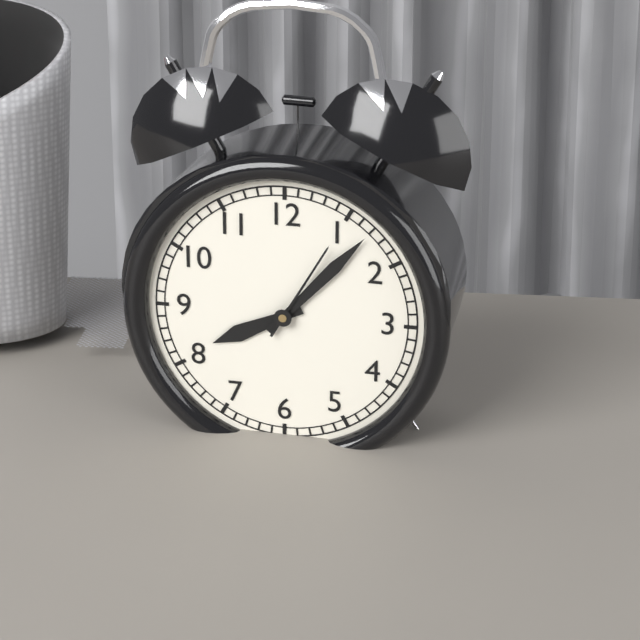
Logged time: 8:07:05
